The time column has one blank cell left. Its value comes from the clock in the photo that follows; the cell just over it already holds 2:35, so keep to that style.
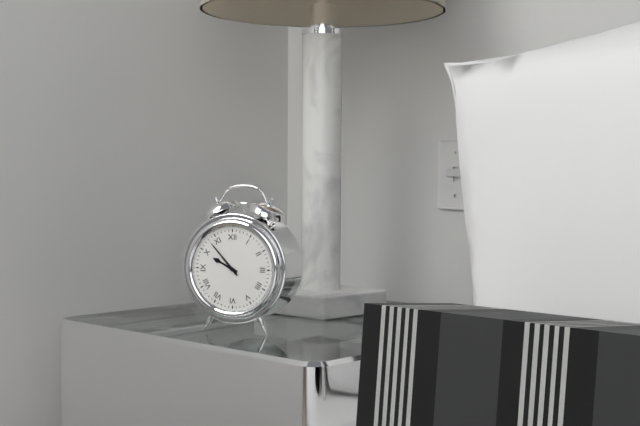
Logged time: 9:53
